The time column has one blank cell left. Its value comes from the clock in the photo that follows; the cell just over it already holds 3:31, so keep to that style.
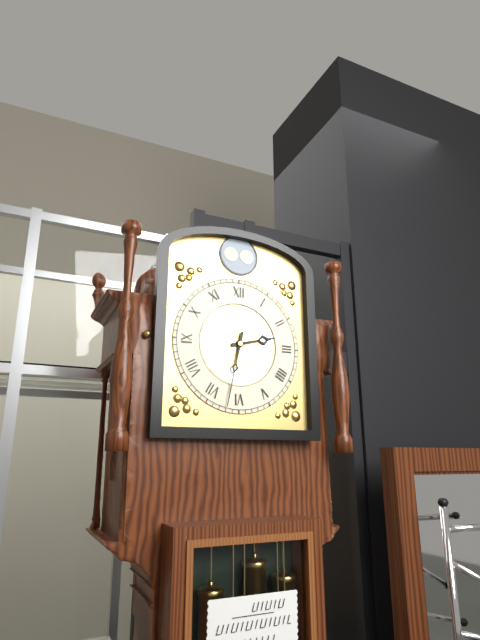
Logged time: 2:32
